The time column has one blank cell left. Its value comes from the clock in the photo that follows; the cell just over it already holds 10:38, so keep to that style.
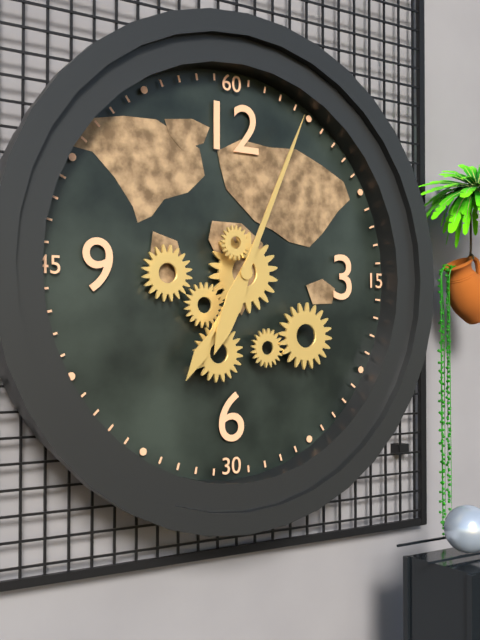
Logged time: 7:04
